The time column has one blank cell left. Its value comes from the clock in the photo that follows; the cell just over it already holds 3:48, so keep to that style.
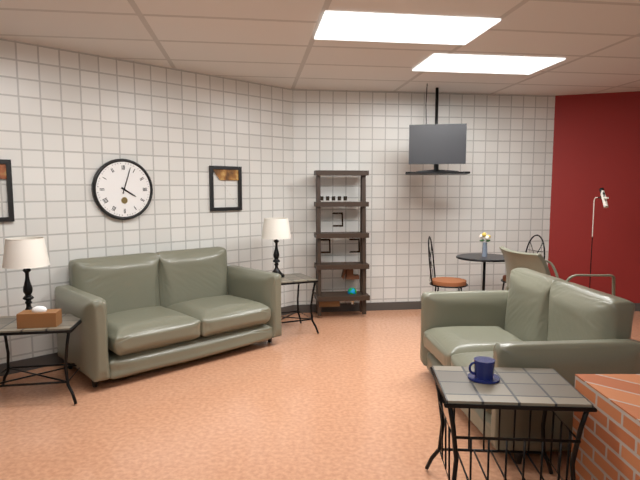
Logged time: 4:03
